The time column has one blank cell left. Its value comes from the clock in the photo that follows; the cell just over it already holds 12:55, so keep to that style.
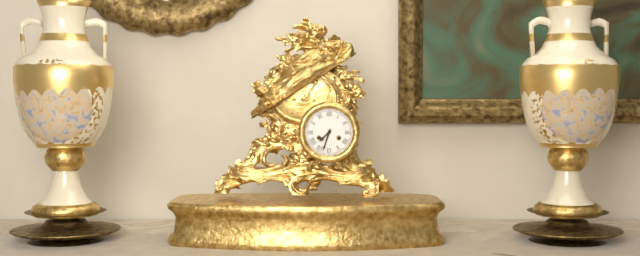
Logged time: 7:33
